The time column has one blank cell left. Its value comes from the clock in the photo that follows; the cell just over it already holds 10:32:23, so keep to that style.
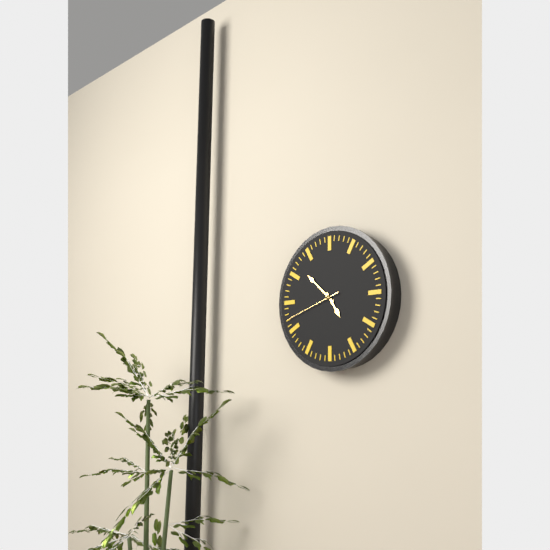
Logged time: 4:52:42
